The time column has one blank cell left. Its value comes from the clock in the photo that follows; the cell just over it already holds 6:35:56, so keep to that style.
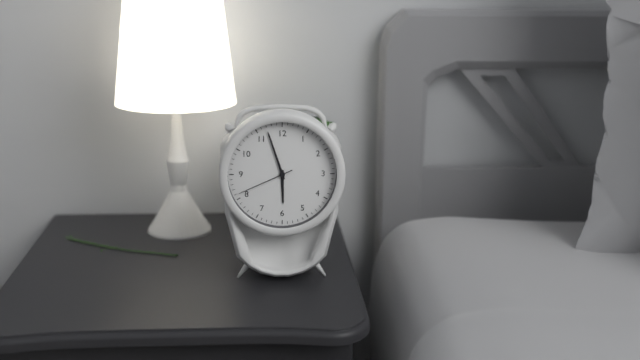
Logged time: 5:57:41
